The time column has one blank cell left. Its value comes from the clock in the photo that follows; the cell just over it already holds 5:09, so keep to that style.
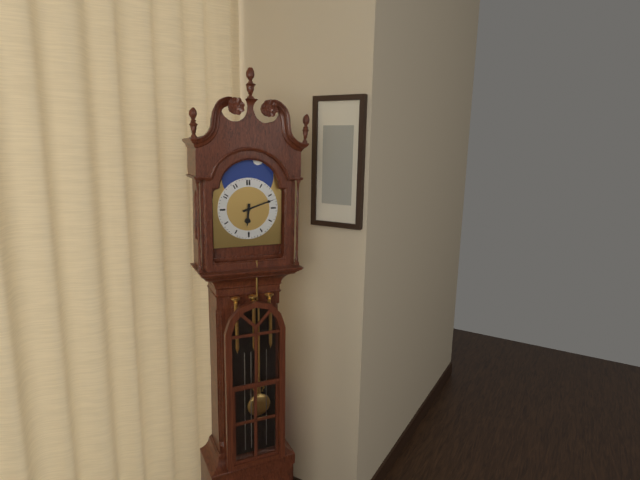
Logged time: 6:12
